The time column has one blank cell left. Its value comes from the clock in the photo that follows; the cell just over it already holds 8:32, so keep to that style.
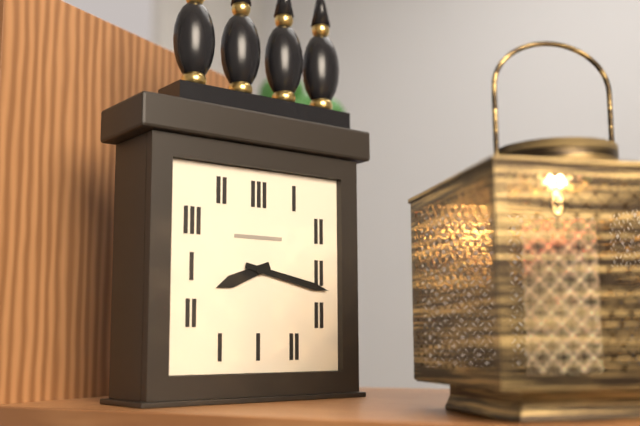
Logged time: 8:17
